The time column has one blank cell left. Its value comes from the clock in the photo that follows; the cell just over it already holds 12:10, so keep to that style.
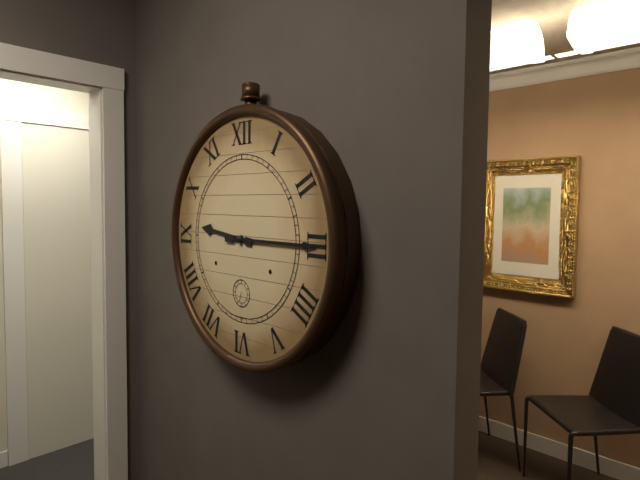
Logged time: 9:15
